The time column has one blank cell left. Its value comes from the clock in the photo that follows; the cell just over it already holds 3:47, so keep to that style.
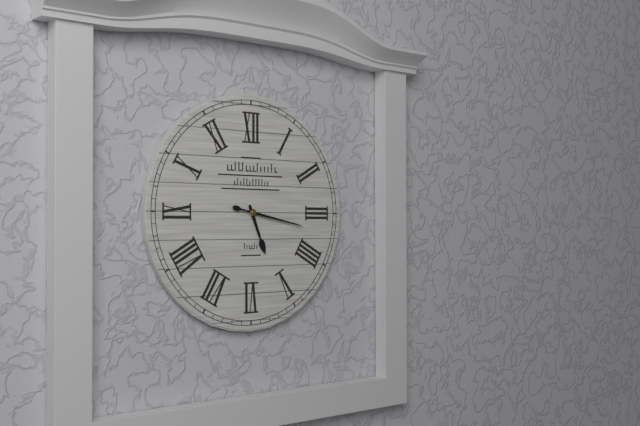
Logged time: 5:17
